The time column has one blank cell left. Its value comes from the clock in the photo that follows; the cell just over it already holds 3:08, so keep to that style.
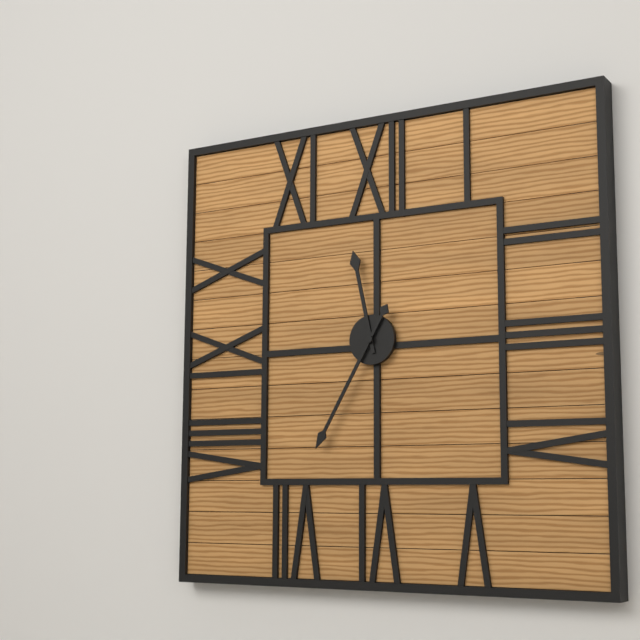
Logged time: 11:35
